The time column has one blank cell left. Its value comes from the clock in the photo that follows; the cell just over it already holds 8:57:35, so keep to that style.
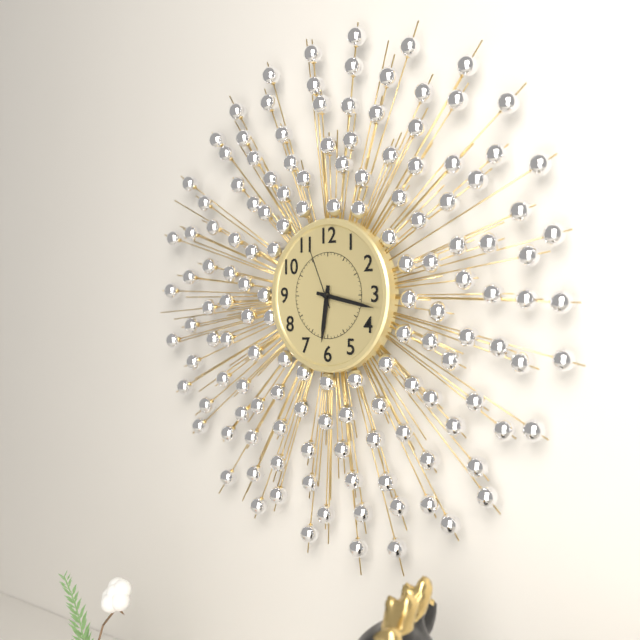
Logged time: 6:17:56
